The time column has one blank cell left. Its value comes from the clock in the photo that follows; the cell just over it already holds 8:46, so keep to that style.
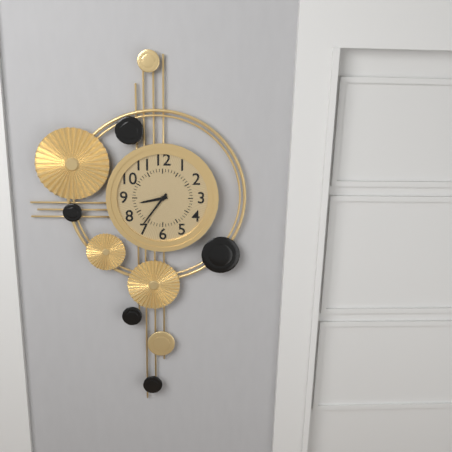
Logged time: 8:36
